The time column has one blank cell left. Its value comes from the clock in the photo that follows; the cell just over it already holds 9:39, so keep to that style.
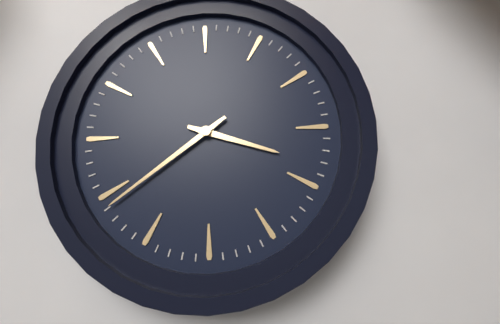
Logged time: 3:39
